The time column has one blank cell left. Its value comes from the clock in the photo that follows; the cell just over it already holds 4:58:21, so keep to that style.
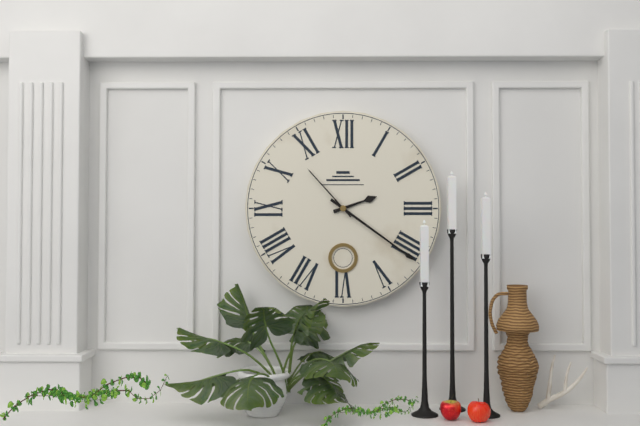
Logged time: 2:21:53
